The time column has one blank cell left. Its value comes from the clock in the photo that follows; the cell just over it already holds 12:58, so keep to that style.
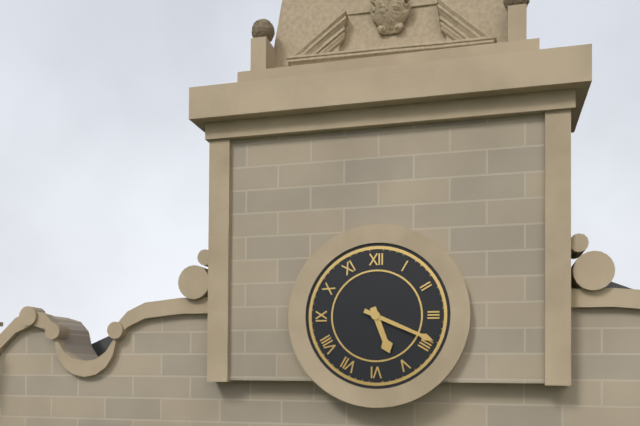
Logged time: 5:19
